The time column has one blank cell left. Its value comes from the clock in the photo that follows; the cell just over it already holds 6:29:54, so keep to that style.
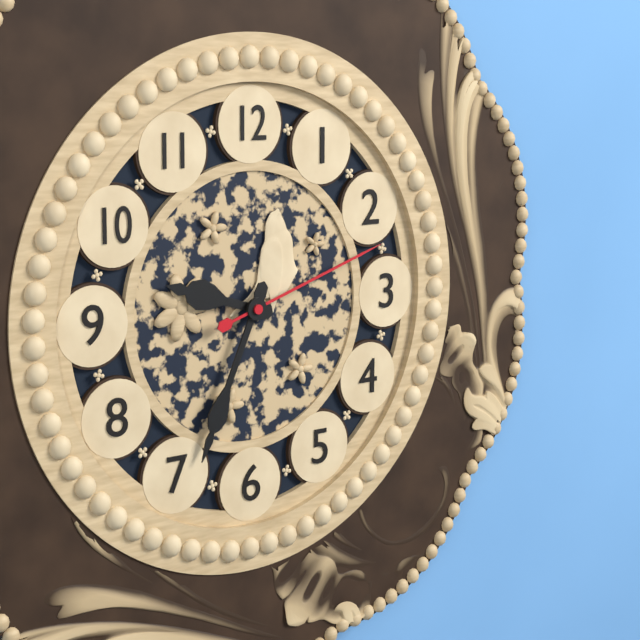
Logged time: 9:34:12
